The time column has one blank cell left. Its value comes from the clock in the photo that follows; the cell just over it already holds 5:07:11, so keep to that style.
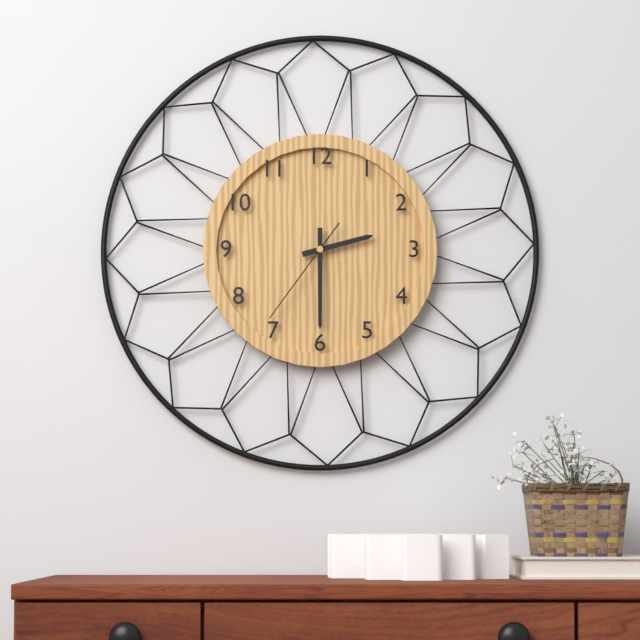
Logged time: 2:30:36
